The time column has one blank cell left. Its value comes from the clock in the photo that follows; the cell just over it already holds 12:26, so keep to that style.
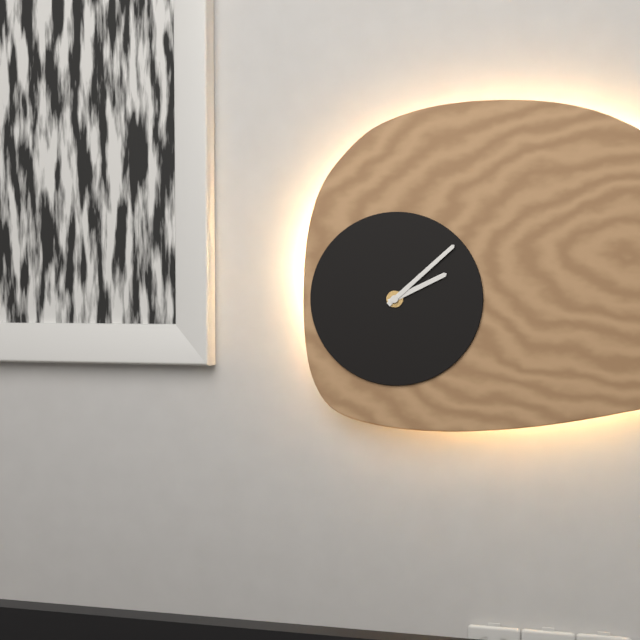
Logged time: 2:08
